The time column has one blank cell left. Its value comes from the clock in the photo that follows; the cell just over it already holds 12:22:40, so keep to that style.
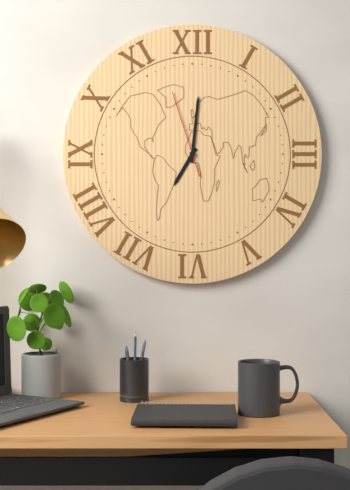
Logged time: 7:01:57
